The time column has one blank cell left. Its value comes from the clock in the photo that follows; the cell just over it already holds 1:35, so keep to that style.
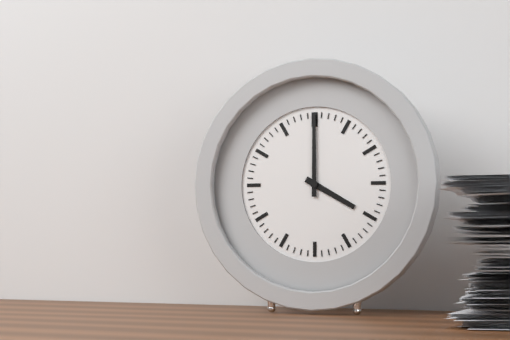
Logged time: 4:00
